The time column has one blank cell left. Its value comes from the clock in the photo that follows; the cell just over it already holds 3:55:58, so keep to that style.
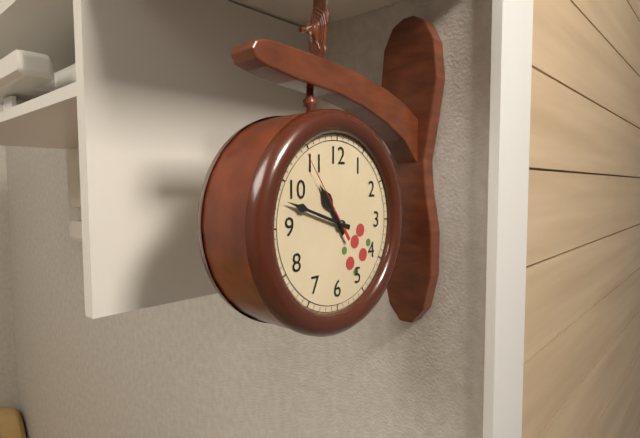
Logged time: 10:48:54
